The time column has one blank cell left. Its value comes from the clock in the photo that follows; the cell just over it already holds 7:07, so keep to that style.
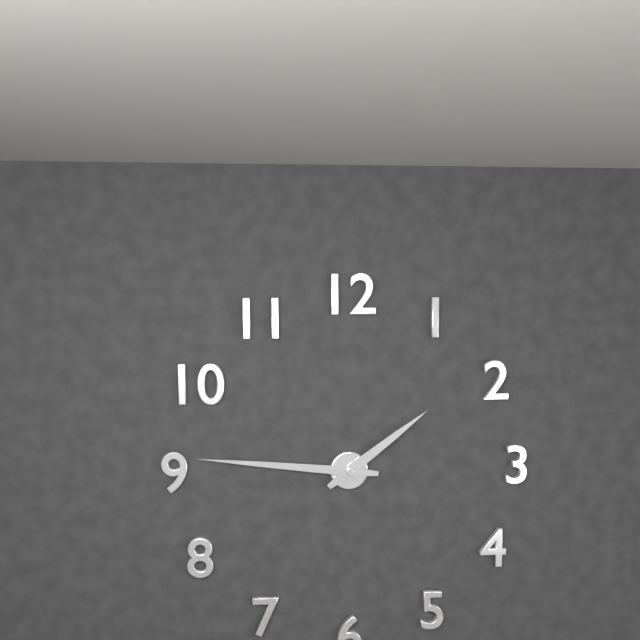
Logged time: 1:46
